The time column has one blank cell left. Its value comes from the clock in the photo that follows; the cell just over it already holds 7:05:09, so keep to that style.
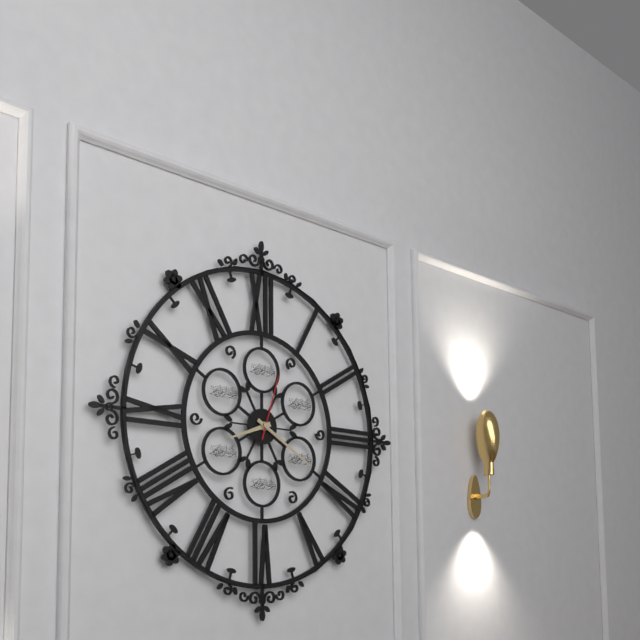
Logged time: 8:20:03
